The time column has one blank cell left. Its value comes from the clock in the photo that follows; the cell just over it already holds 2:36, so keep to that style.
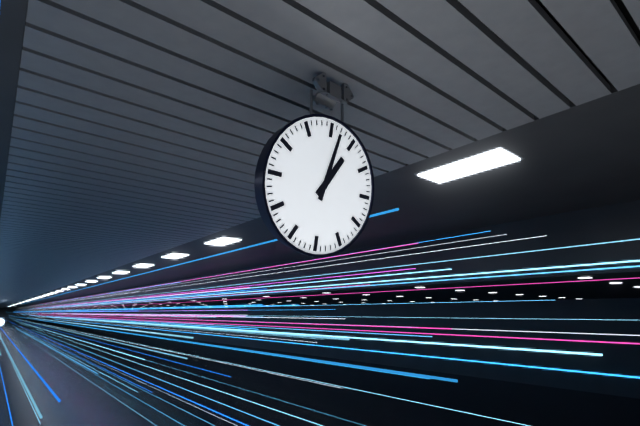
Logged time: 1:02
